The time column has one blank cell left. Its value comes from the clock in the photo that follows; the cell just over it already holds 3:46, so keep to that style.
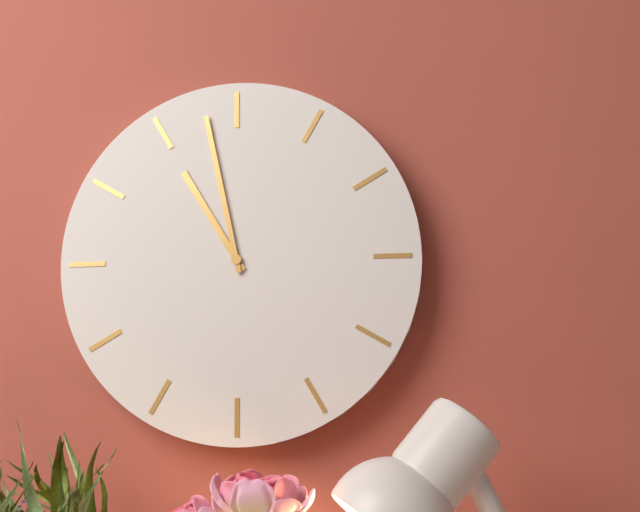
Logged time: 10:58
